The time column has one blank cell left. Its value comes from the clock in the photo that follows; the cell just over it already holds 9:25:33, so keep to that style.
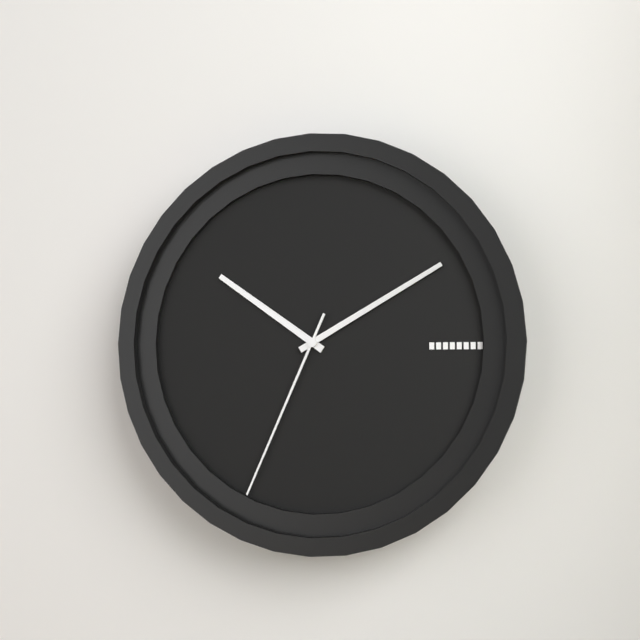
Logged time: 10:10:34
